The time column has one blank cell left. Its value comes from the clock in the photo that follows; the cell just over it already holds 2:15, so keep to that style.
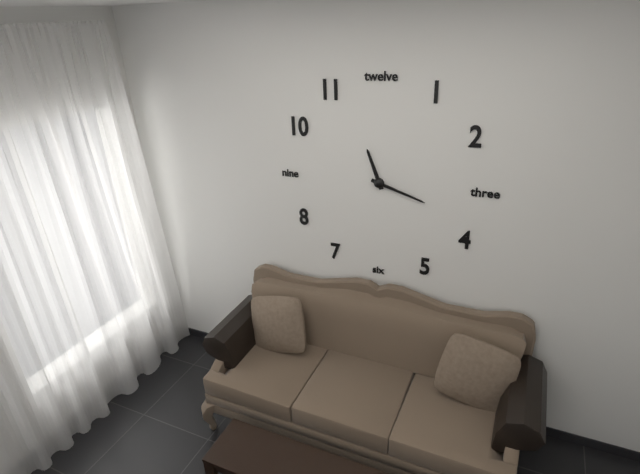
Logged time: 11:18
